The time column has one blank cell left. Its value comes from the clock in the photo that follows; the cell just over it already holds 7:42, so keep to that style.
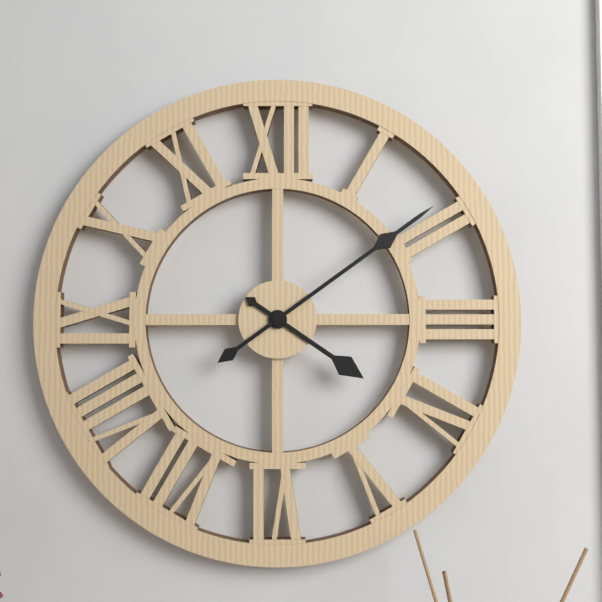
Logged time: 4:09
